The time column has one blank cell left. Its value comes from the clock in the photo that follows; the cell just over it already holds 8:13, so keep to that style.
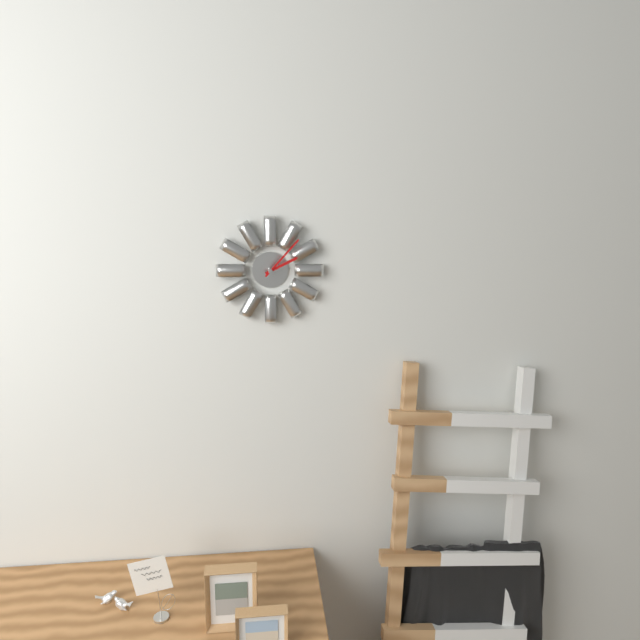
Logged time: 2:07
